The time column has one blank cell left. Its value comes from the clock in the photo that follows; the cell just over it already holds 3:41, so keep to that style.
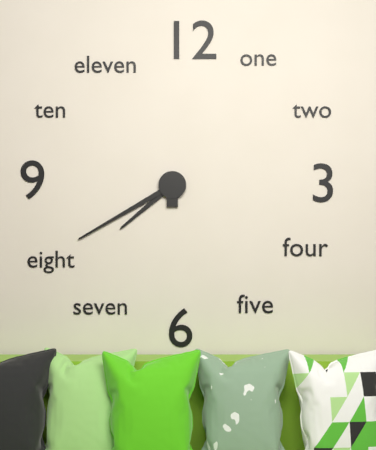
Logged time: 7:40
